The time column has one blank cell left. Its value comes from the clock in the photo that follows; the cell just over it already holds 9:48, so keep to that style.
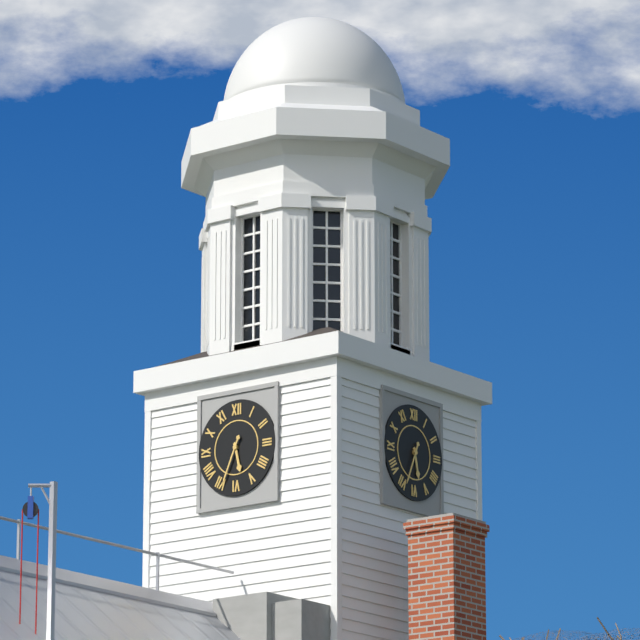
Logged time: 5:34
